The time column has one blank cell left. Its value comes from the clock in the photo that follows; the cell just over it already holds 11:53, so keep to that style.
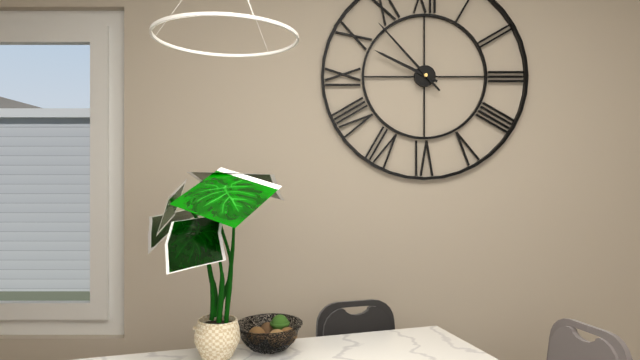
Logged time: 9:53
